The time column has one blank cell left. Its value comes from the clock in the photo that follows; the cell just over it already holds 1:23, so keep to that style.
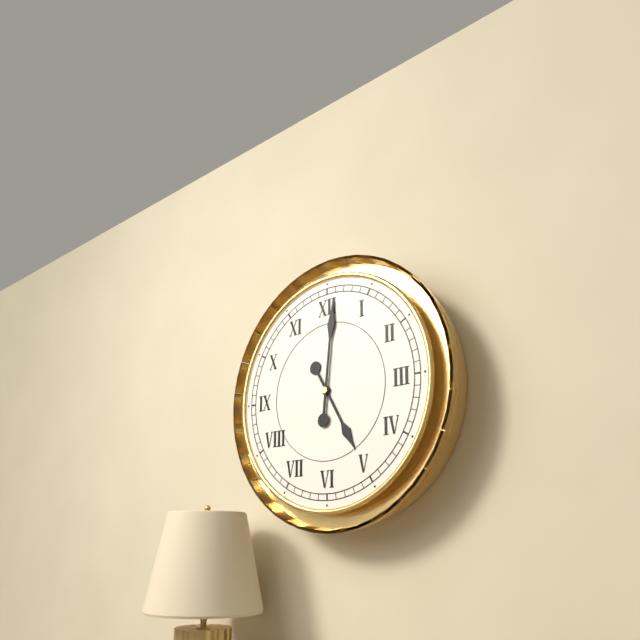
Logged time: 5:01
